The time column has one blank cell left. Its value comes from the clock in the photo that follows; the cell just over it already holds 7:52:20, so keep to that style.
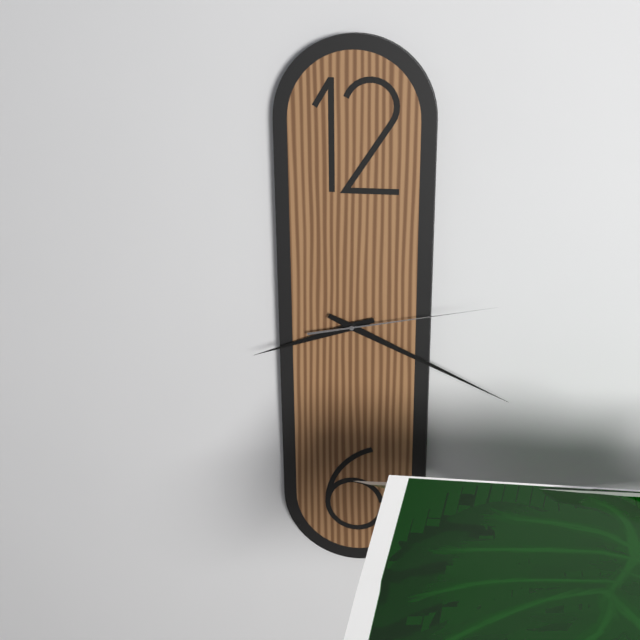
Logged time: 8:19:13
